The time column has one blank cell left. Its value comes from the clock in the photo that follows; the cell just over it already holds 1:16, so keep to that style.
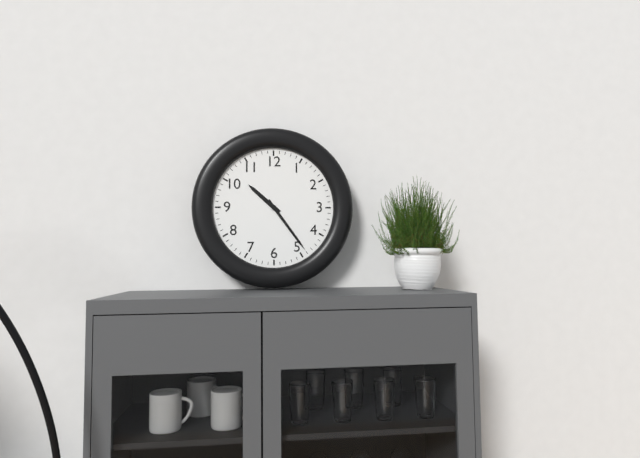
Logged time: 10:24
